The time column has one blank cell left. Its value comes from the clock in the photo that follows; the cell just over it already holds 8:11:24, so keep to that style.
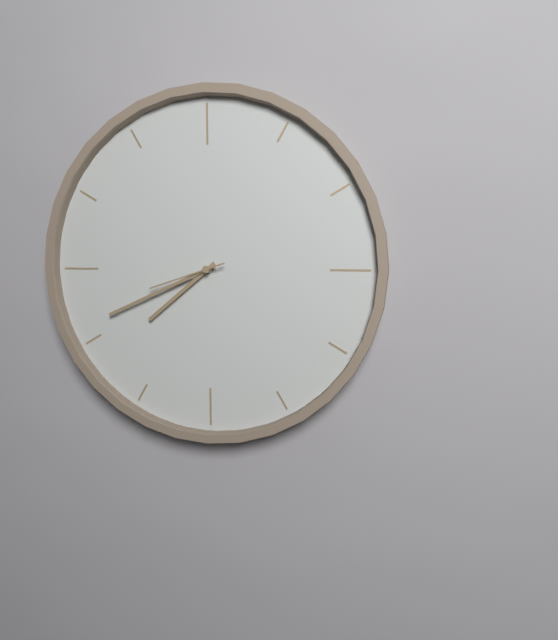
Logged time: 7:41:42
